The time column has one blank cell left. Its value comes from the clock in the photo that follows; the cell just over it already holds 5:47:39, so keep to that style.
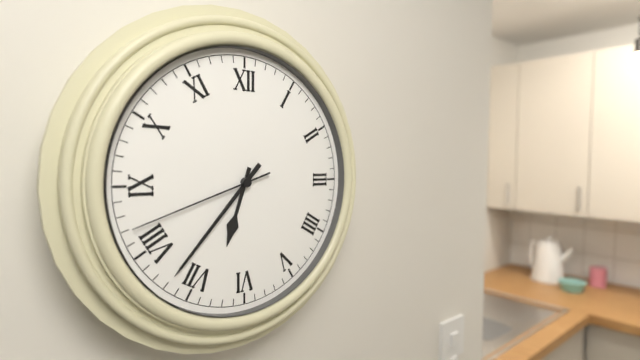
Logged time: 6:37:42
